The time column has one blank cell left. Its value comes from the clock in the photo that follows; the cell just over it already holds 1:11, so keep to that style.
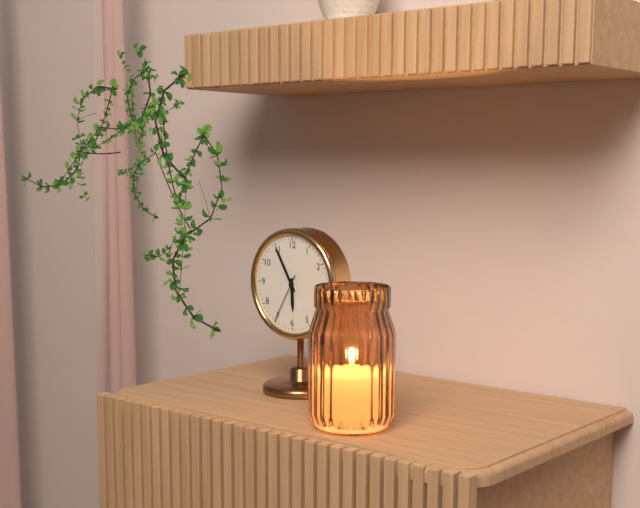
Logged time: 5:55
